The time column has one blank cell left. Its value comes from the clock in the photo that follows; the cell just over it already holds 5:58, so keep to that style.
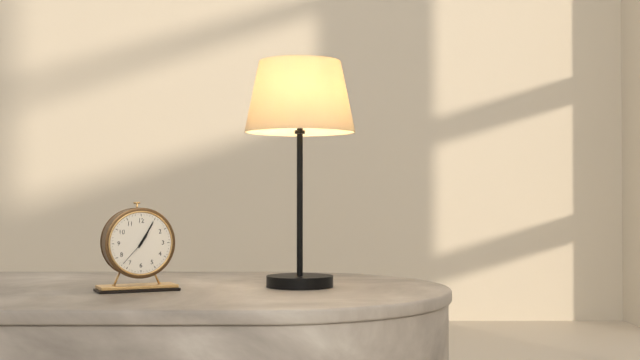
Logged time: 1:05
